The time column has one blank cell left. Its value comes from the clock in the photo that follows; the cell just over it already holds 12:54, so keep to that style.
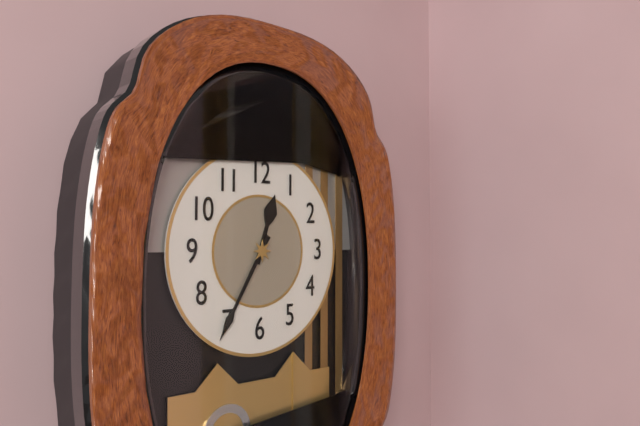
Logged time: 12:35
